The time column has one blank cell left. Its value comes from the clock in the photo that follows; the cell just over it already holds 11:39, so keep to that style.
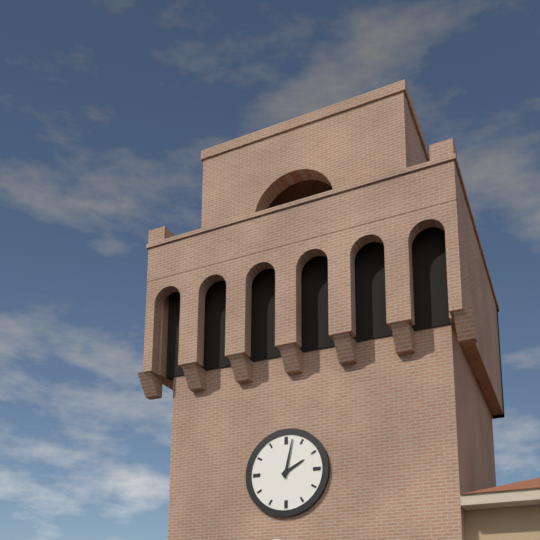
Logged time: 2:02
